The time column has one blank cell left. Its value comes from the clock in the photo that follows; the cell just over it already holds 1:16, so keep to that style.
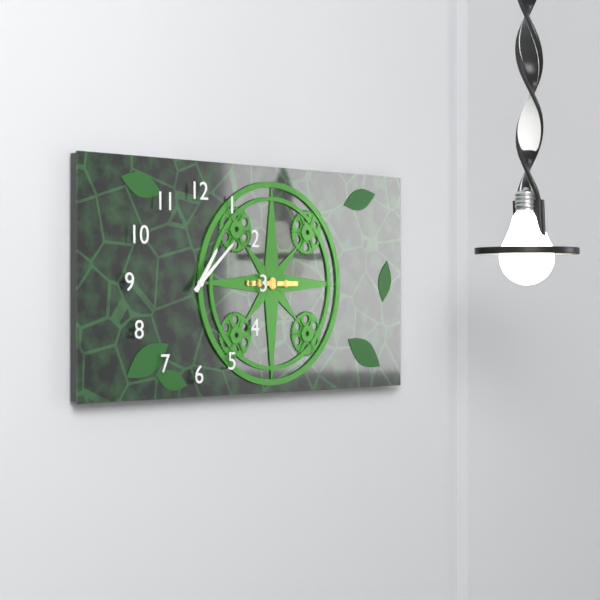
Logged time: 1:08
